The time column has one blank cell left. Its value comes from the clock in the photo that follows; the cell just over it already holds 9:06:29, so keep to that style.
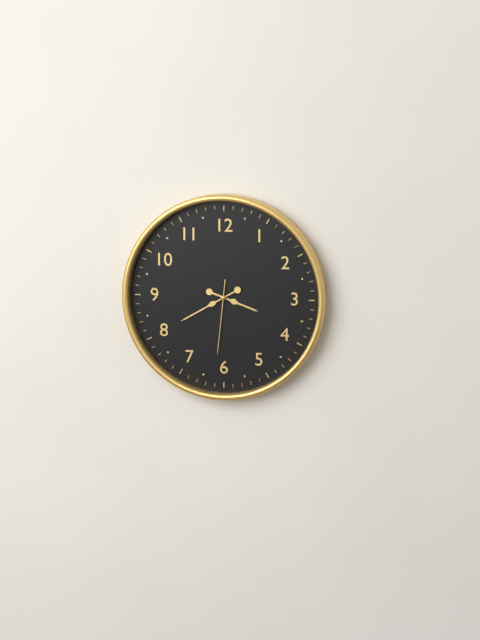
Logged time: 3:40:31
